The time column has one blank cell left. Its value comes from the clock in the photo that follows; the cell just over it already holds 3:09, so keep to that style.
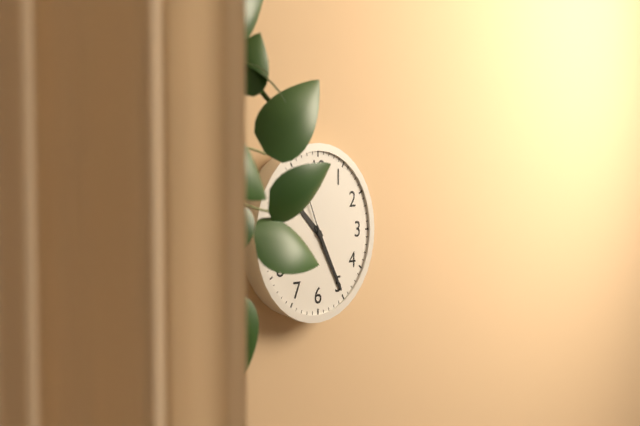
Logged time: 10:25
